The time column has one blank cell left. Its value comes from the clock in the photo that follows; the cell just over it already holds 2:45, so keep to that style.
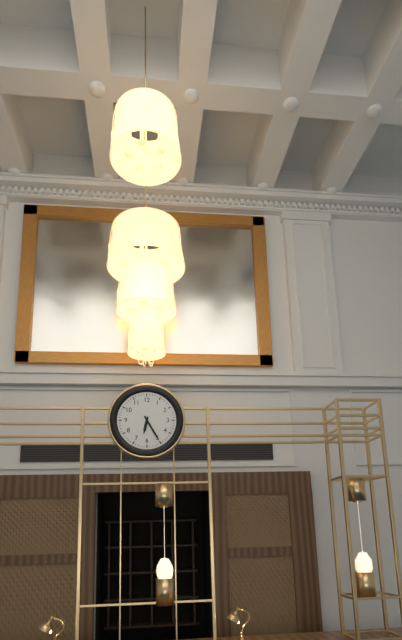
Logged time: 6:25
